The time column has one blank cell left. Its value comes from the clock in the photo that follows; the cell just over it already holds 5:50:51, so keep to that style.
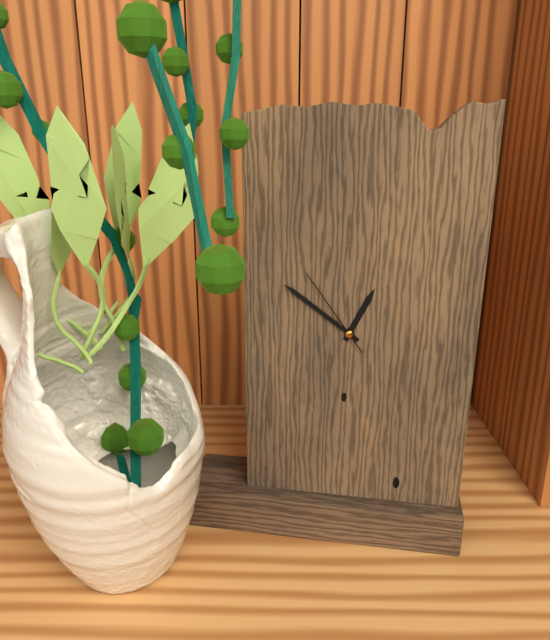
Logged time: 12:51:54
